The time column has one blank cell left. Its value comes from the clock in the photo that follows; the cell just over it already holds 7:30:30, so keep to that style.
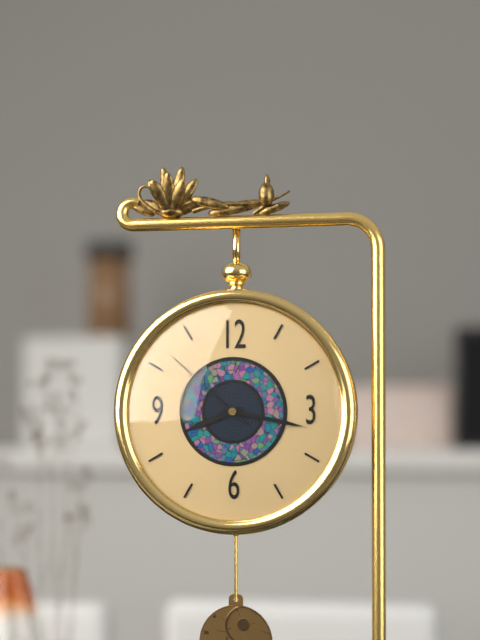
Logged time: 8:17:52
